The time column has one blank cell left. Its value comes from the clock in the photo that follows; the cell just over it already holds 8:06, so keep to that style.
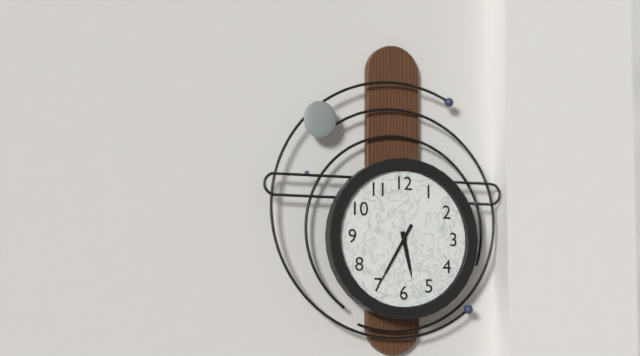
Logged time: 5:35
